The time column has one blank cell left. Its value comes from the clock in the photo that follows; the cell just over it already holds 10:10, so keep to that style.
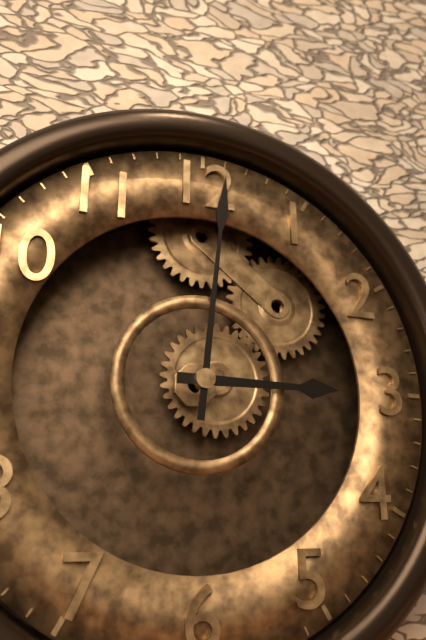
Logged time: 3:01
